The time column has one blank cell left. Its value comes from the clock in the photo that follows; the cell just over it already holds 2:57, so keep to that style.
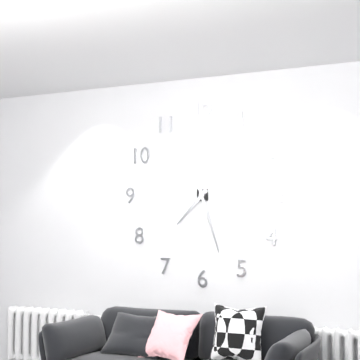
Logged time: 7:27
